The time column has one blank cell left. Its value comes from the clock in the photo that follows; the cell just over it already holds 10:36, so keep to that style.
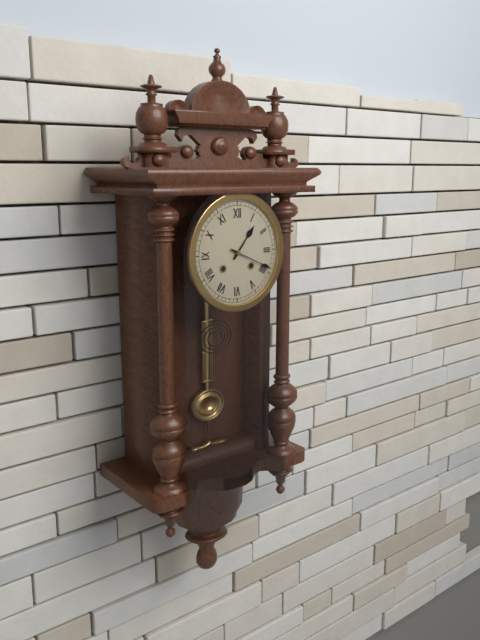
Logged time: 1:19
